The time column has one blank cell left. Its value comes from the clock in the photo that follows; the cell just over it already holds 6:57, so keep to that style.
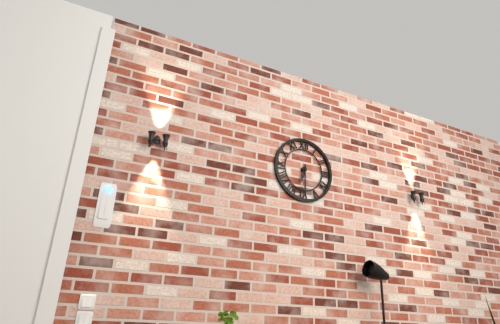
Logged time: 6:30
